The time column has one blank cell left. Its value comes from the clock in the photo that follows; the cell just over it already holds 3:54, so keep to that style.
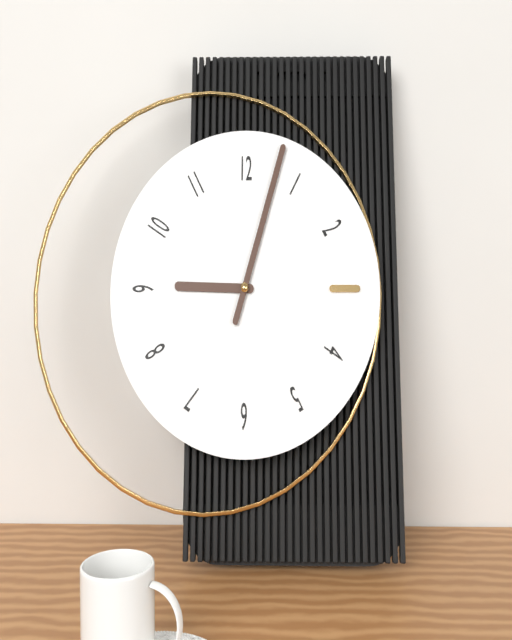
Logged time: 9:03
